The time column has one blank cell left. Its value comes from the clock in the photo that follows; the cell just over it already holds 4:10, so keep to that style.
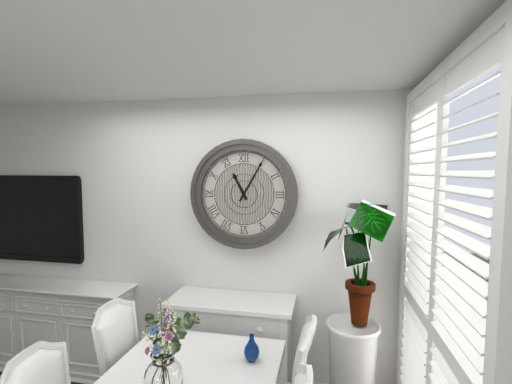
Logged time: 11:05
